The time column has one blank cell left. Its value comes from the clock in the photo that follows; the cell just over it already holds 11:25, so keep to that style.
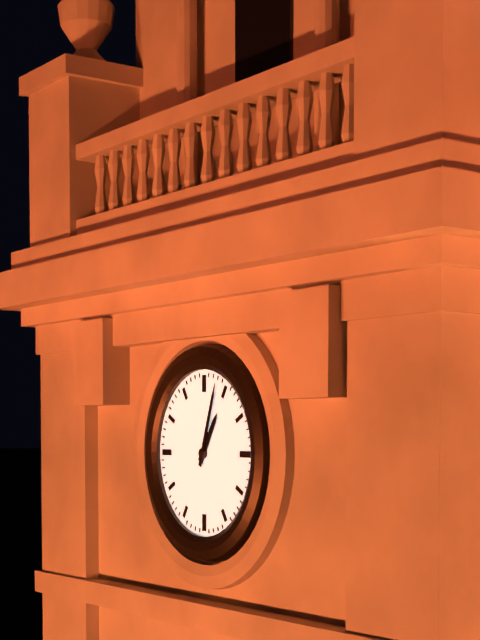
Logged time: 1:03
